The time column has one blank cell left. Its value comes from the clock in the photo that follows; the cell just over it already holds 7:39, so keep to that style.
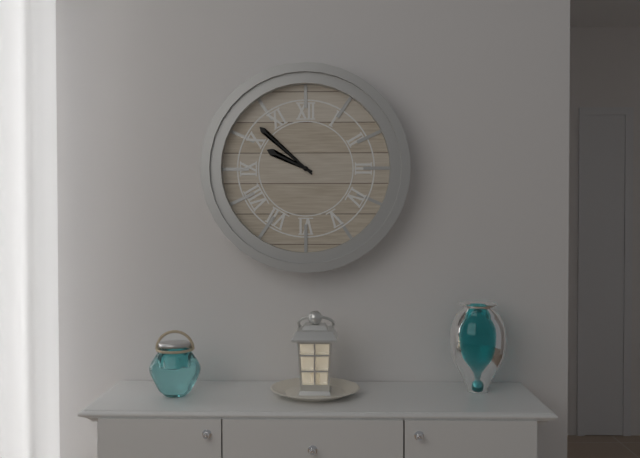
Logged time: 9:52
